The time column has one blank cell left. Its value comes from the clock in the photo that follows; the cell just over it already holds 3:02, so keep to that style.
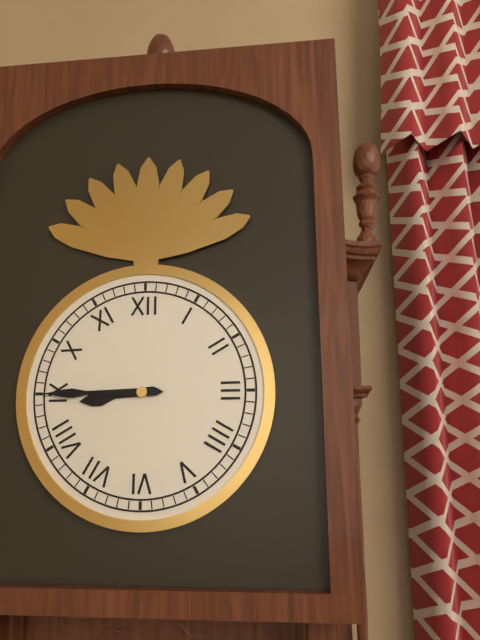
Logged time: 8:45
